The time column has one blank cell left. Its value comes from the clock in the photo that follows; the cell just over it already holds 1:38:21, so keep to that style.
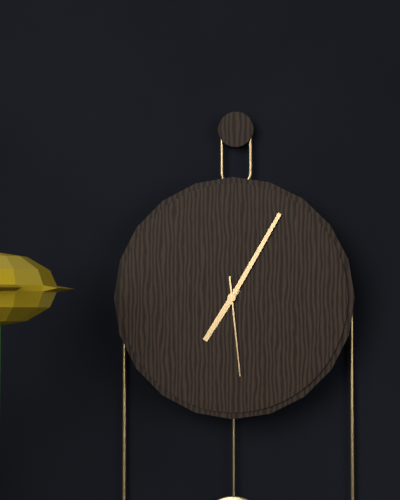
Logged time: 7:05:29
